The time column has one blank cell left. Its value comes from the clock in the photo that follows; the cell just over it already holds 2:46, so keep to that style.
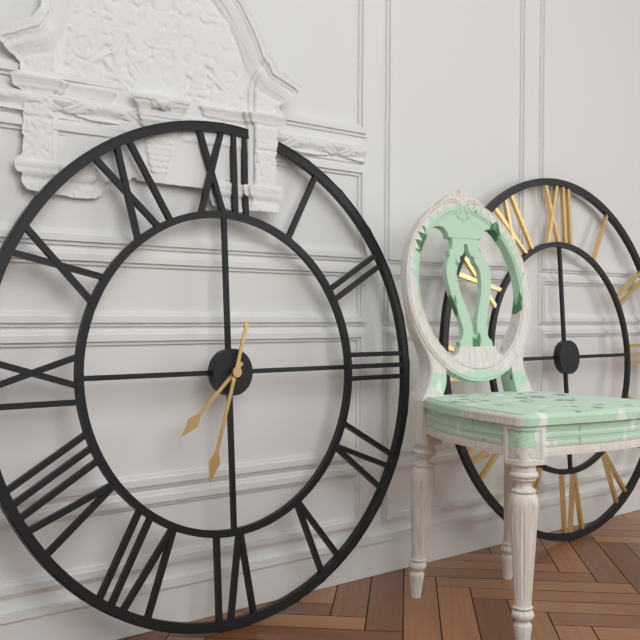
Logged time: 7:33
